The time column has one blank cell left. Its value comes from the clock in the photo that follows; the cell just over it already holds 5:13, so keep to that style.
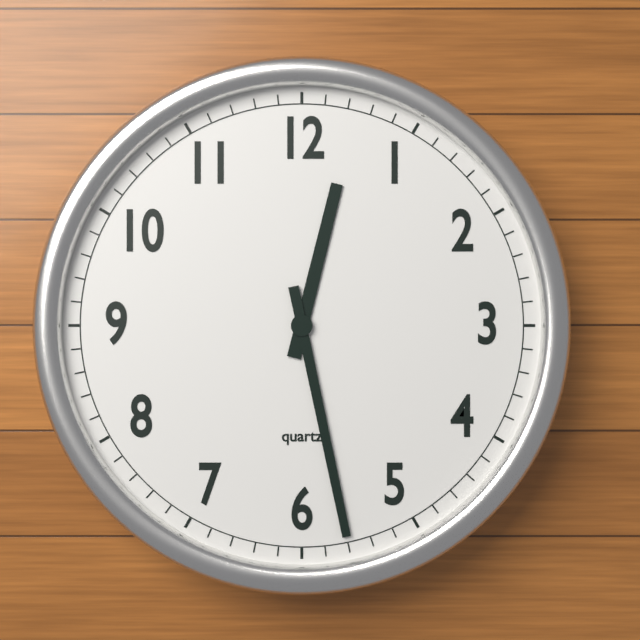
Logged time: 12:28
